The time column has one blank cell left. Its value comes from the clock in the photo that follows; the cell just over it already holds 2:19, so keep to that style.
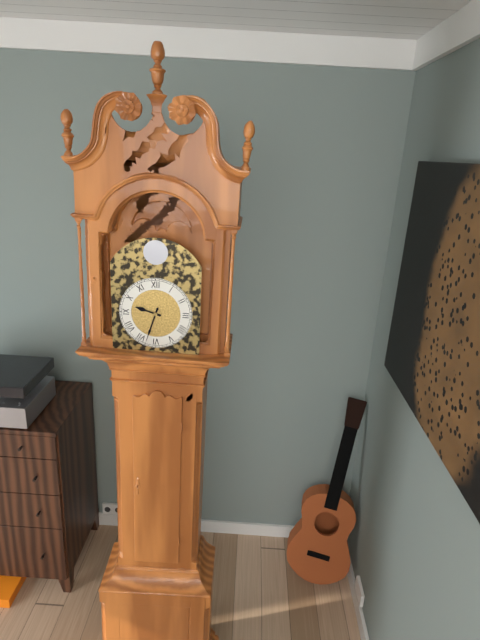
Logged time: 9:33
